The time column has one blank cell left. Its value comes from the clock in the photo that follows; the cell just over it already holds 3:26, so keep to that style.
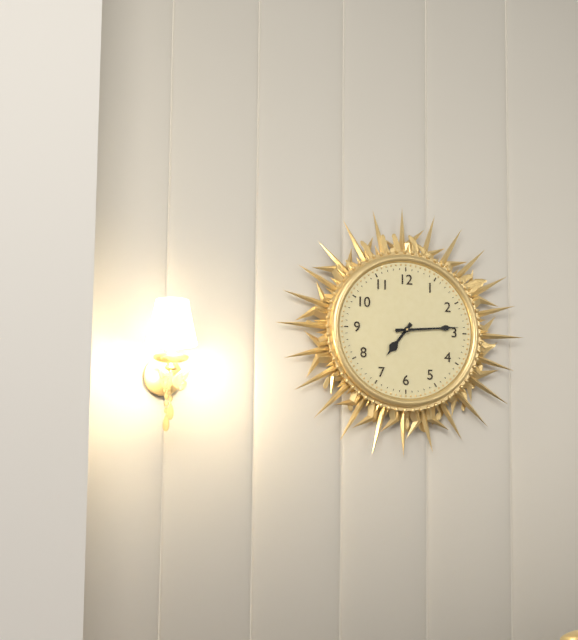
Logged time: 7:14
